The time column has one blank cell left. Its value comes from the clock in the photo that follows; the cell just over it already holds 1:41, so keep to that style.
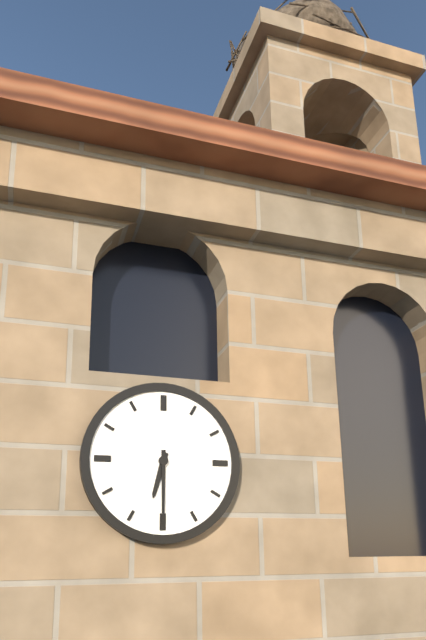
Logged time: 6:30
